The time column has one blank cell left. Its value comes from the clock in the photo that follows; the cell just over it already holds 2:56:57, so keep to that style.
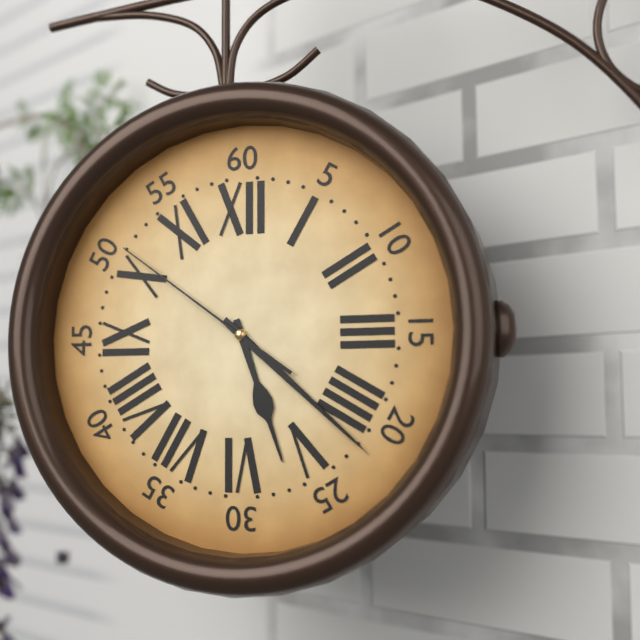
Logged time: 5:22:51
